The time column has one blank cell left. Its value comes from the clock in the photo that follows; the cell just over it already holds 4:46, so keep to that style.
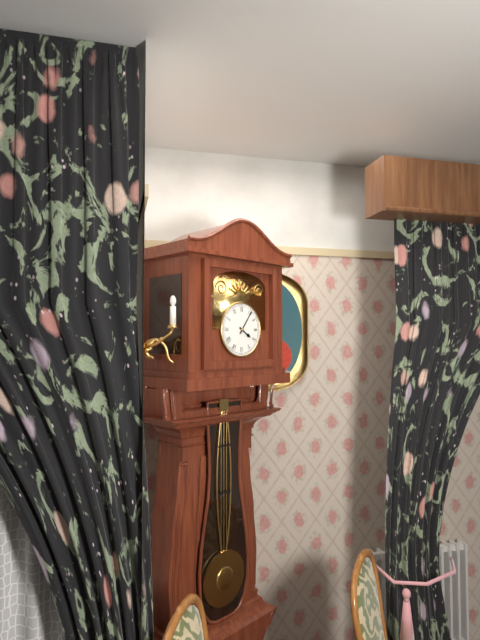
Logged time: 4:06
